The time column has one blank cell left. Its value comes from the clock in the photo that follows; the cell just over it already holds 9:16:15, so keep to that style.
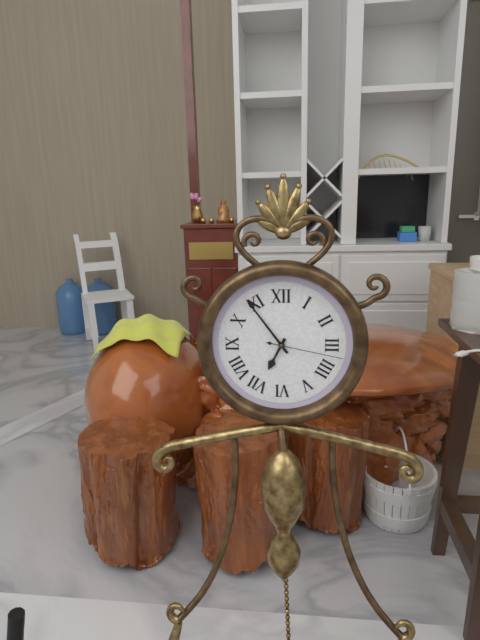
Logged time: 6:54:17
